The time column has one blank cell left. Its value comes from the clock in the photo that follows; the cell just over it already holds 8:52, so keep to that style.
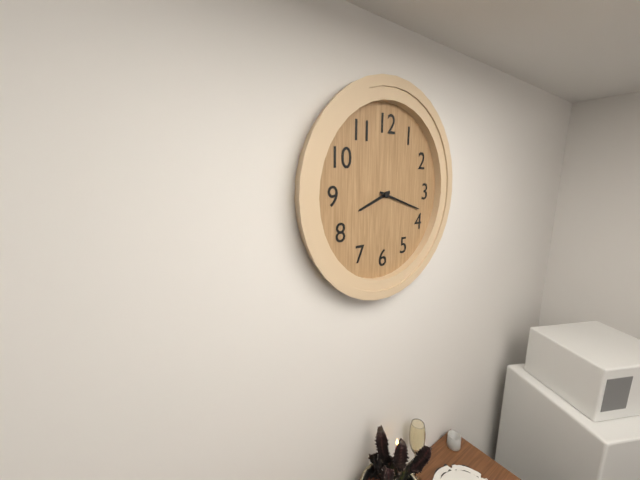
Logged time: 8:18
